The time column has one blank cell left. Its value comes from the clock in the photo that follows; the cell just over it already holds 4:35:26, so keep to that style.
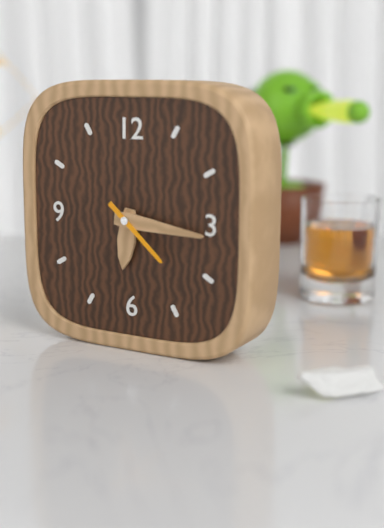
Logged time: 6:16:22
